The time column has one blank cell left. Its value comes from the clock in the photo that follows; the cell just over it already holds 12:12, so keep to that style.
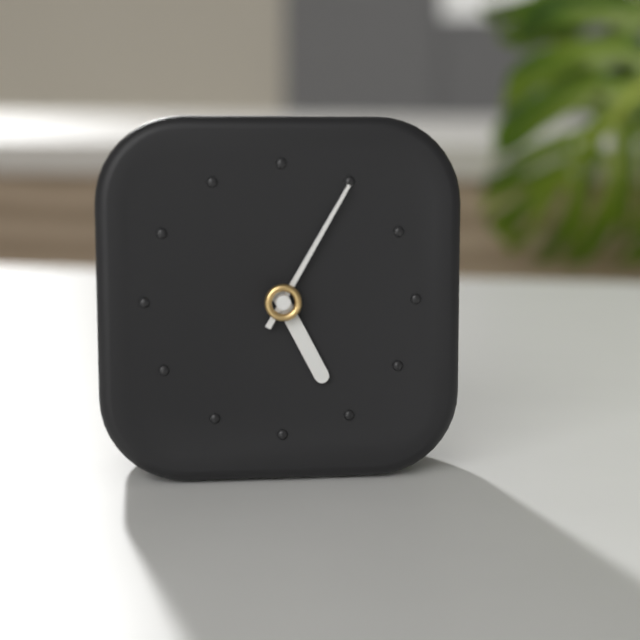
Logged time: 5:05
